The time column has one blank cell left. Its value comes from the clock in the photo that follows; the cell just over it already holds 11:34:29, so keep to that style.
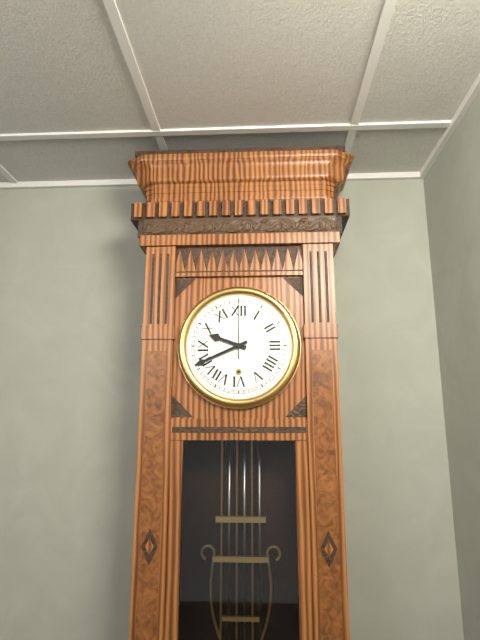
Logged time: 9:41:00
